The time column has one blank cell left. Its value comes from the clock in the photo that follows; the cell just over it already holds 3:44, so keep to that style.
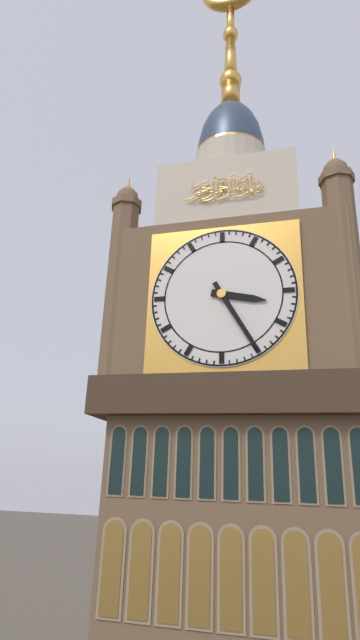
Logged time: 3:25
